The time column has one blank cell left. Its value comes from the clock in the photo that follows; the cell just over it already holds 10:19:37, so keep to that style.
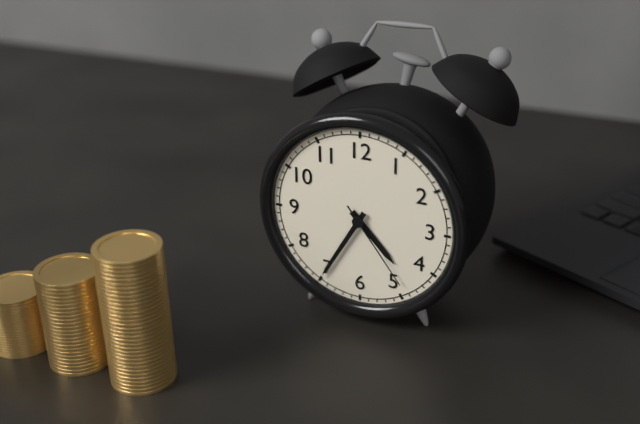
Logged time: 4:35:24
